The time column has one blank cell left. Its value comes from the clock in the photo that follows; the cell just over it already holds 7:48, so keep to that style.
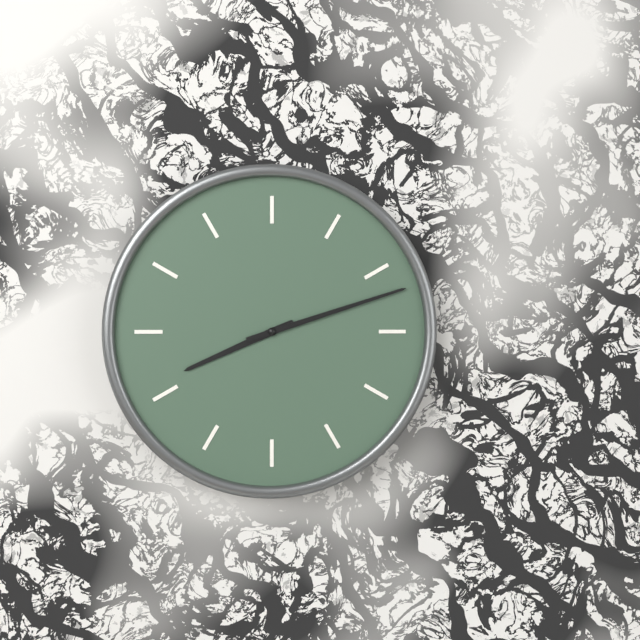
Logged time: 8:12
